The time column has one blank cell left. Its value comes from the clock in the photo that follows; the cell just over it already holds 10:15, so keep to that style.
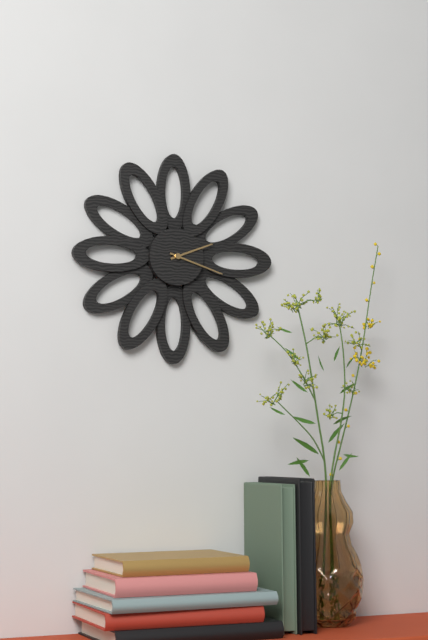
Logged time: 2:18
